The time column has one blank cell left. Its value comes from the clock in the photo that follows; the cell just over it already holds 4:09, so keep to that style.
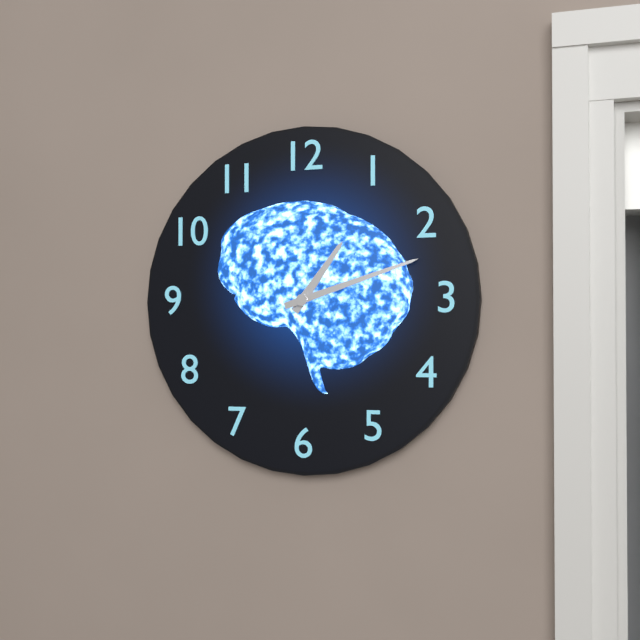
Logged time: 1:12
